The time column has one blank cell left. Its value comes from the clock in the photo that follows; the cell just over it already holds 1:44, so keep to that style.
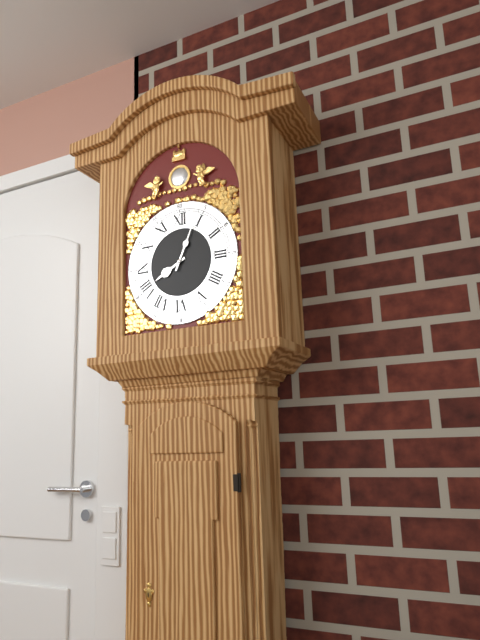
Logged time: 8:04
